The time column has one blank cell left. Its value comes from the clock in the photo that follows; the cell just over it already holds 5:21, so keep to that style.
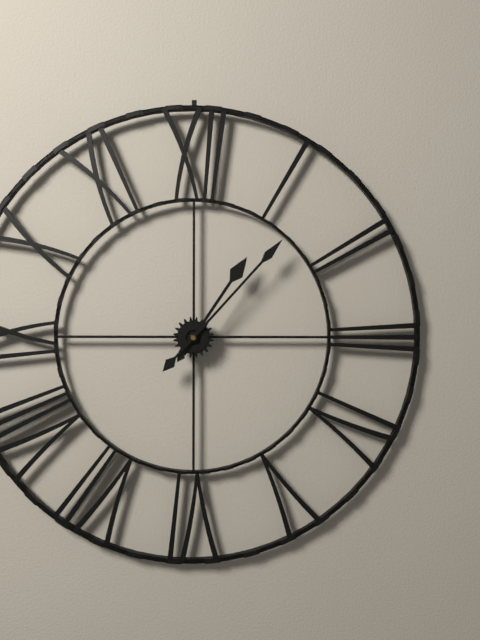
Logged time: 1:07
